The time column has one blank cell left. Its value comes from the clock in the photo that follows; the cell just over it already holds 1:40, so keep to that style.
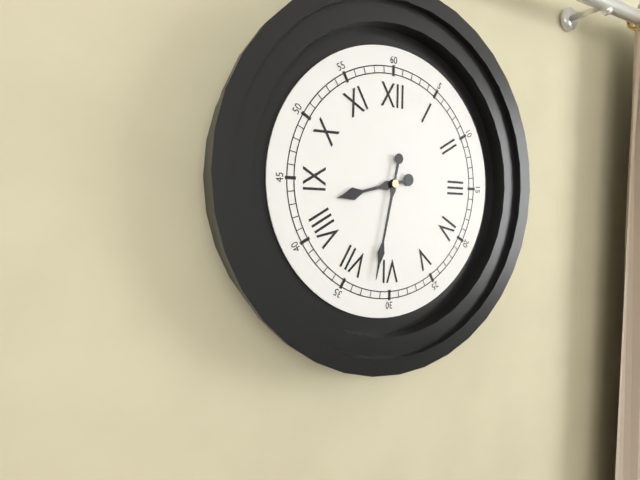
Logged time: 8:32
